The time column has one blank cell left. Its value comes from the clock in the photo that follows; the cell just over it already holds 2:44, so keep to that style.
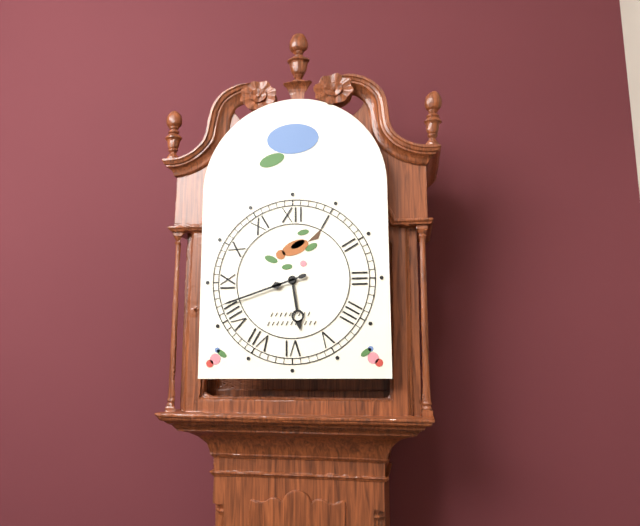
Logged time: 5:42
